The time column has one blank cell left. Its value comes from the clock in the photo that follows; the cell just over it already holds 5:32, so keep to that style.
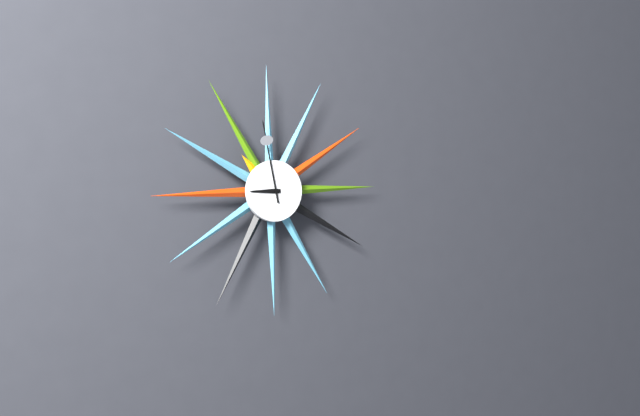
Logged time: 8:58
